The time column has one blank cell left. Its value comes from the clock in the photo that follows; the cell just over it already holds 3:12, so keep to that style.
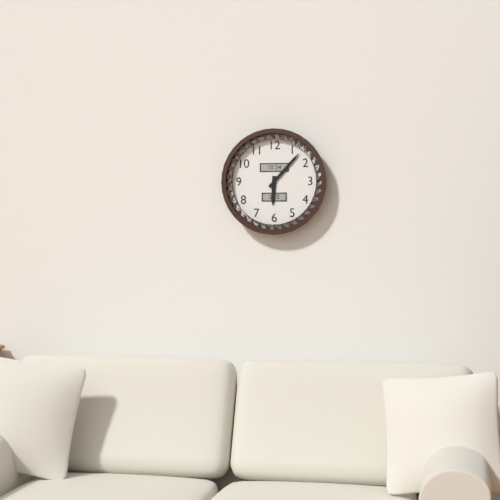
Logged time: 6:07
